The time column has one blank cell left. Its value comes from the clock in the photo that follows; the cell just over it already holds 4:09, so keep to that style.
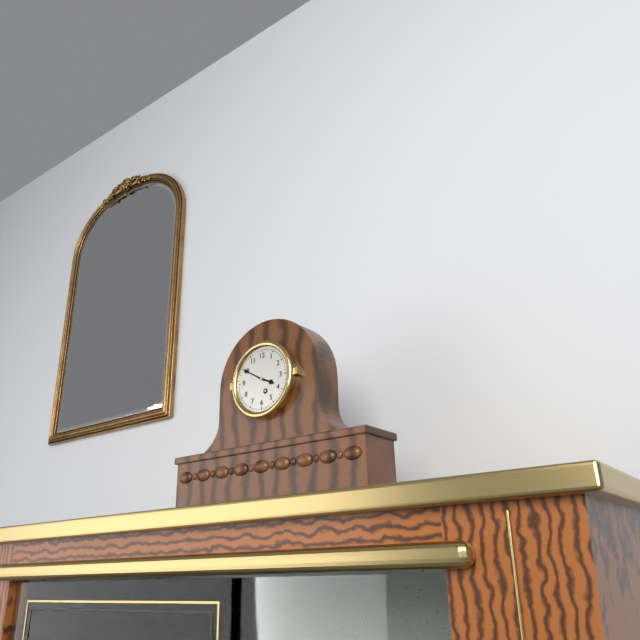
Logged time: 3:50
